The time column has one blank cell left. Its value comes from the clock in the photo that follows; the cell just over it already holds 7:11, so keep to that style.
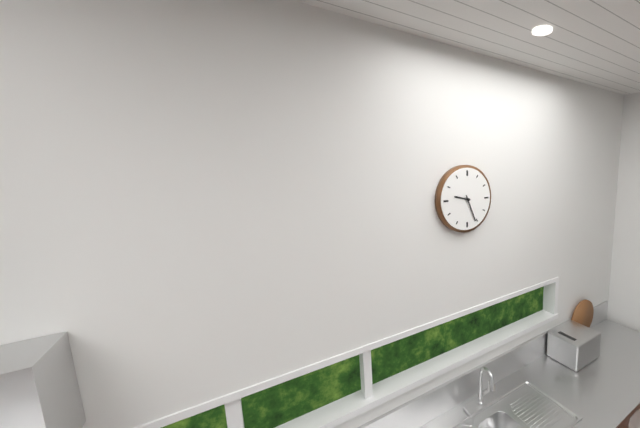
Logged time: 9:26
